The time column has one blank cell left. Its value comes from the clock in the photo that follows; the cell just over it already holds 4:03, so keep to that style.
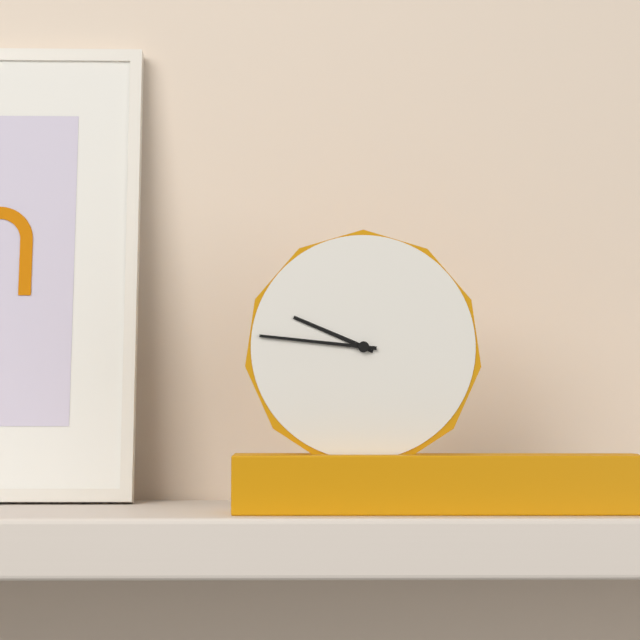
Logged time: 9:46
